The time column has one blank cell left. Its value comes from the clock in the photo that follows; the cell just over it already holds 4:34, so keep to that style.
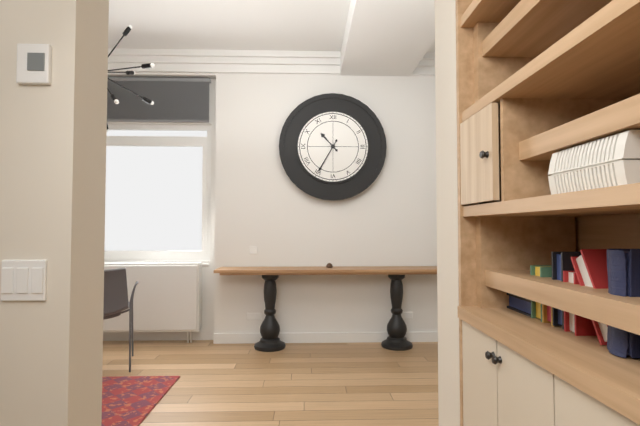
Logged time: 10:35
